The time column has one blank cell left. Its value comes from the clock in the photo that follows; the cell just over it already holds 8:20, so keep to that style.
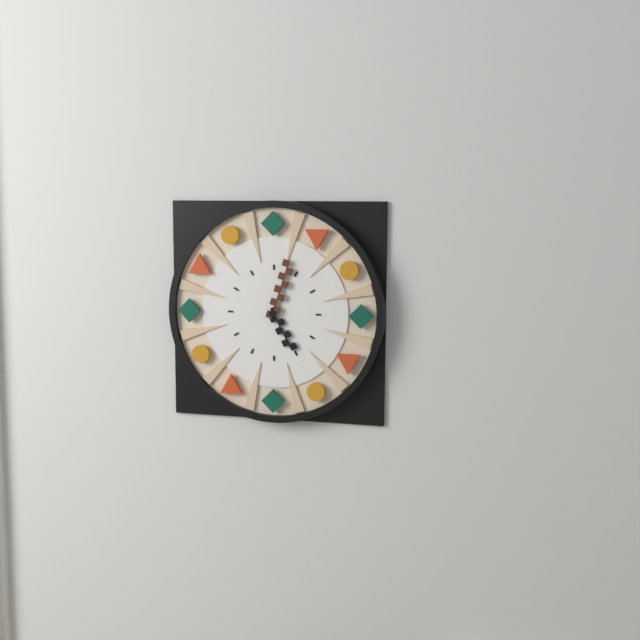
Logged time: 5:03
